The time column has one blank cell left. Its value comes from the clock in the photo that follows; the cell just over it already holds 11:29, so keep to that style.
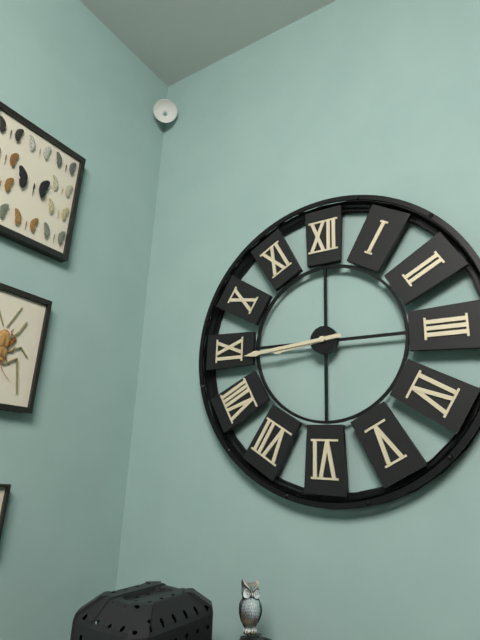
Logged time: 8:44
